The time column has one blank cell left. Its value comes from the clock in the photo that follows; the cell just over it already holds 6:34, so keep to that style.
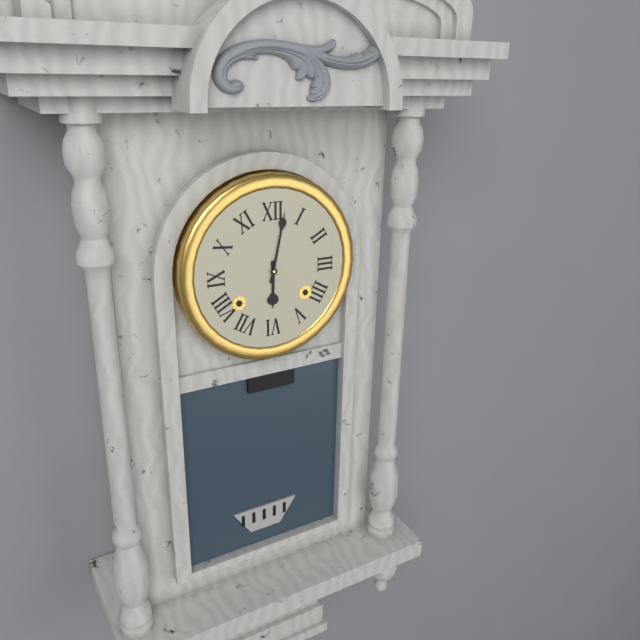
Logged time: 6:02
